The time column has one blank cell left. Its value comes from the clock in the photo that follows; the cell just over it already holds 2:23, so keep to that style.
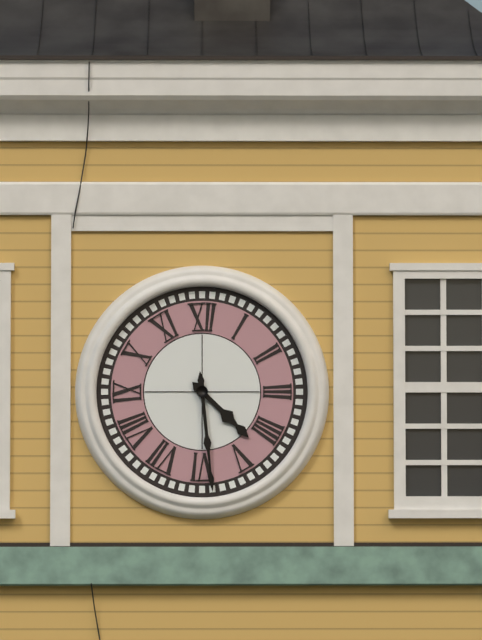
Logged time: 4:29
